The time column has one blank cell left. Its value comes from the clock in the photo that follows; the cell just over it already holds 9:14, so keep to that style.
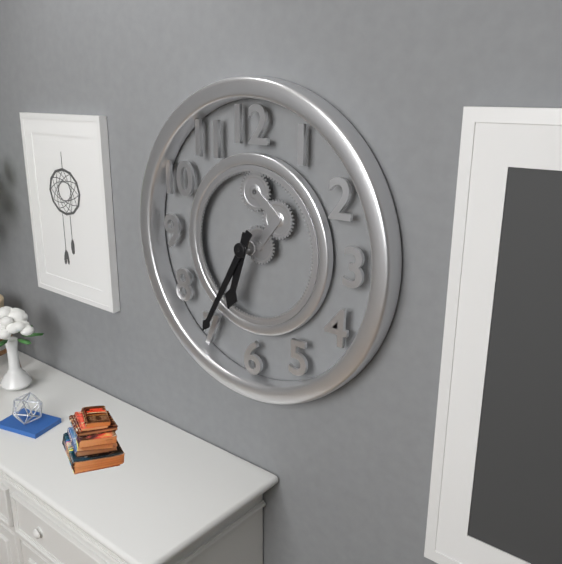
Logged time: 6:35
